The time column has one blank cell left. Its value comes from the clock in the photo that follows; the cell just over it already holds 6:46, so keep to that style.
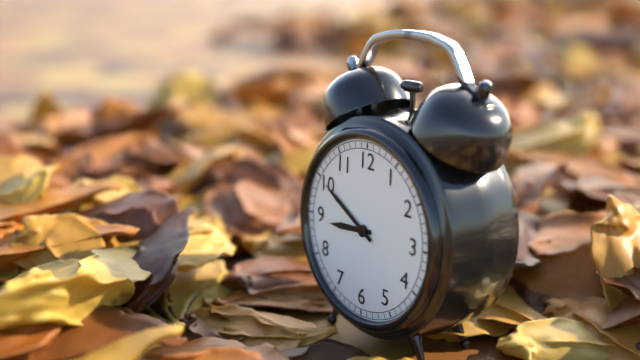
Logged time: 8:50
